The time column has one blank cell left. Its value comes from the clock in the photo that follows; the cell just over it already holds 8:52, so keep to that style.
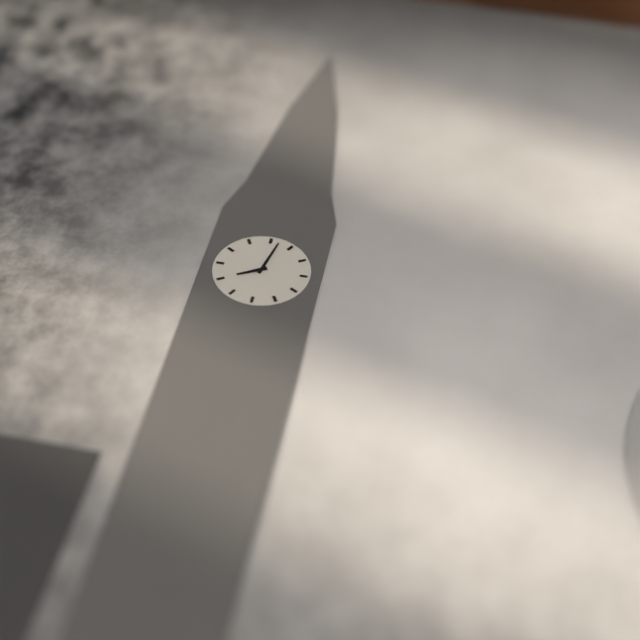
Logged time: 8:02
